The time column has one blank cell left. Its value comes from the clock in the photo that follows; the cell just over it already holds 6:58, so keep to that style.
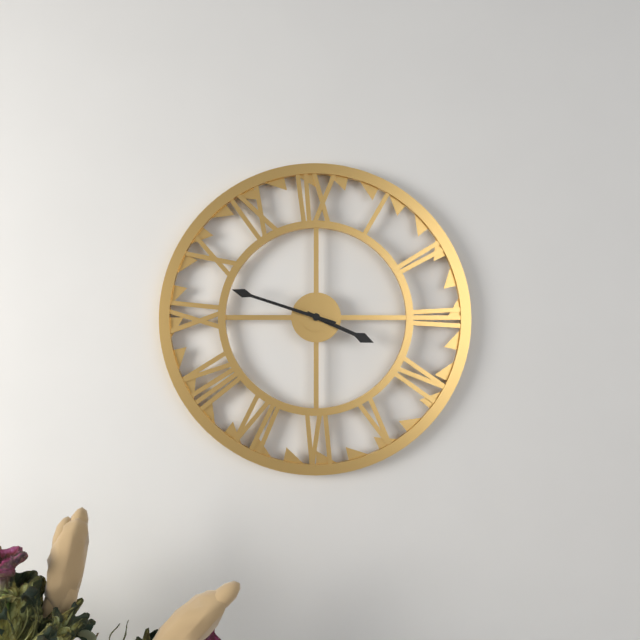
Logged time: 3:48
